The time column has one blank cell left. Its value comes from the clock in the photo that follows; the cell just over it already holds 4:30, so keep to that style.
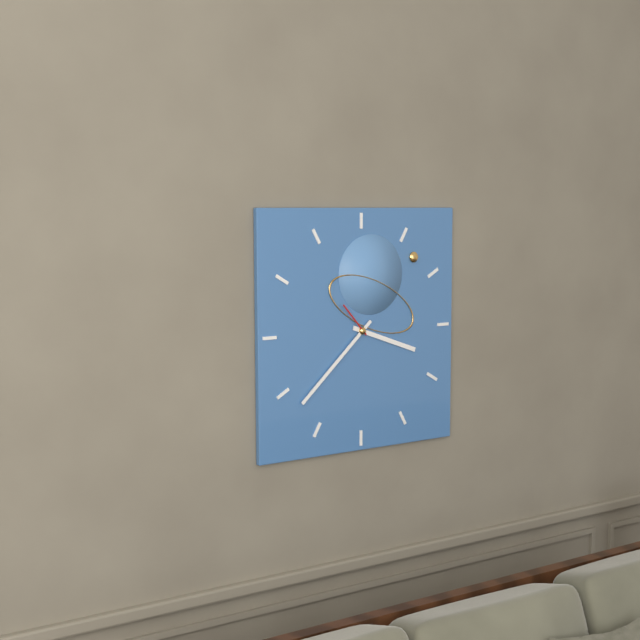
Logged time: 3:38
